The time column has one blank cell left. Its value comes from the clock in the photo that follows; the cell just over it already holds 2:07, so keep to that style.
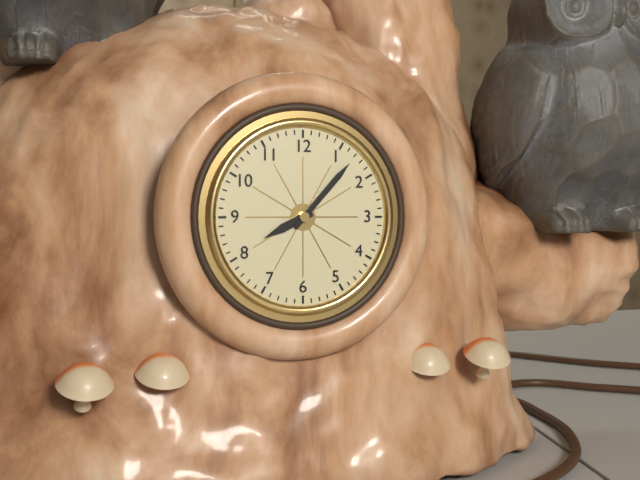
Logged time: 8:07
